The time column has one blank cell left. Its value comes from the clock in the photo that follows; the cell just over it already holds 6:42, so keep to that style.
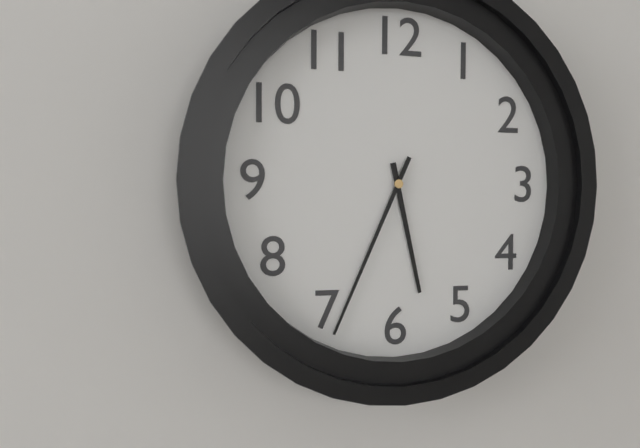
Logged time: 5:34
